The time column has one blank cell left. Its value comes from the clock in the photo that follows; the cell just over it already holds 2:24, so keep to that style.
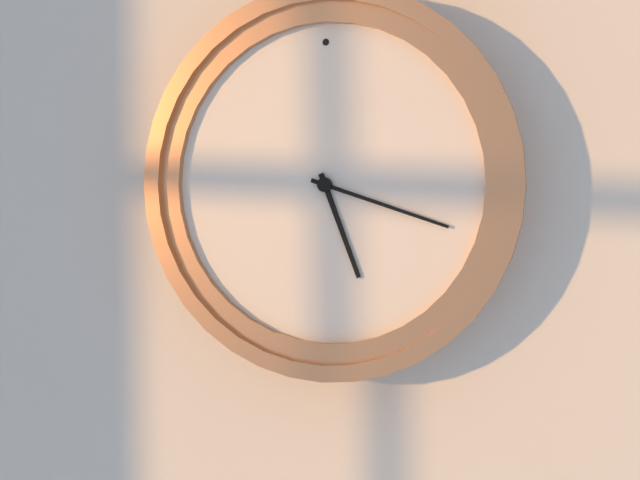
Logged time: 5:18
